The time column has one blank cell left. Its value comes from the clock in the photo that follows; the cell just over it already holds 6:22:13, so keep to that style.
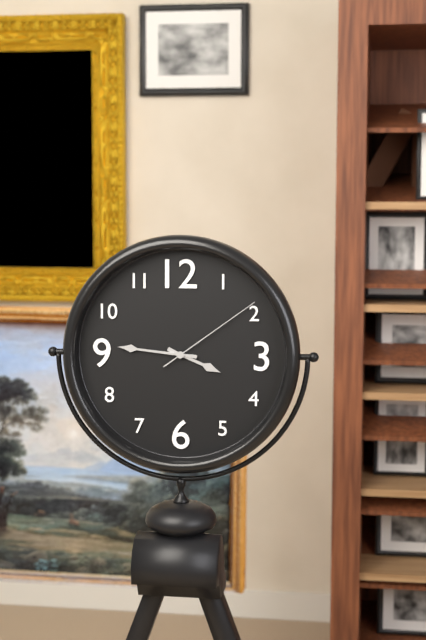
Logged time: 3:46:09
